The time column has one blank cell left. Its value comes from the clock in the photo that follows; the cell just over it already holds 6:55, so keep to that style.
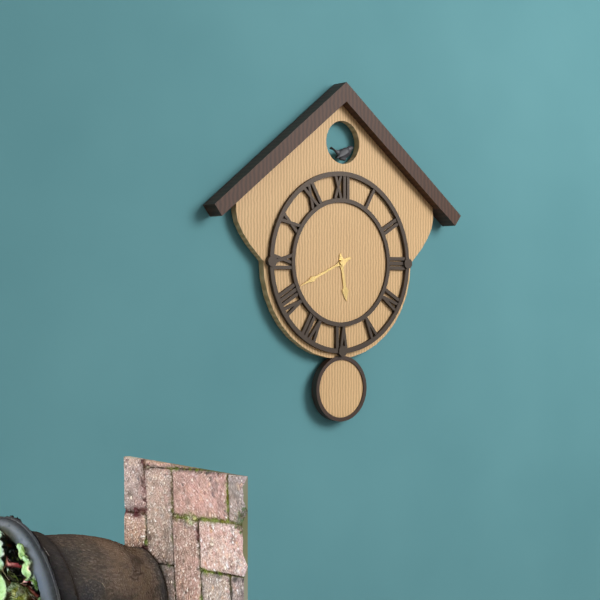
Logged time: 5:41
